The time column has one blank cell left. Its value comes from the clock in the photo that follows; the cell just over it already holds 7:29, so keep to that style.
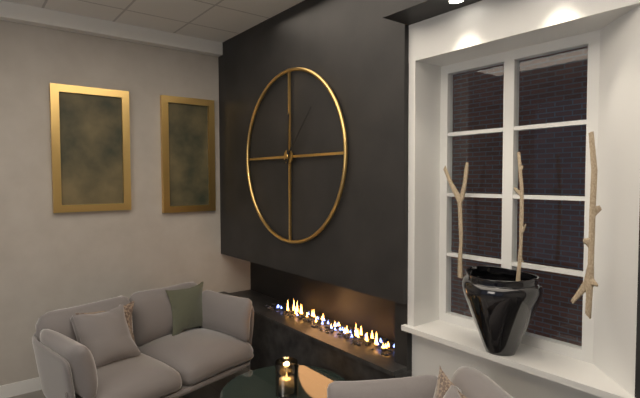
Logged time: 12:07
